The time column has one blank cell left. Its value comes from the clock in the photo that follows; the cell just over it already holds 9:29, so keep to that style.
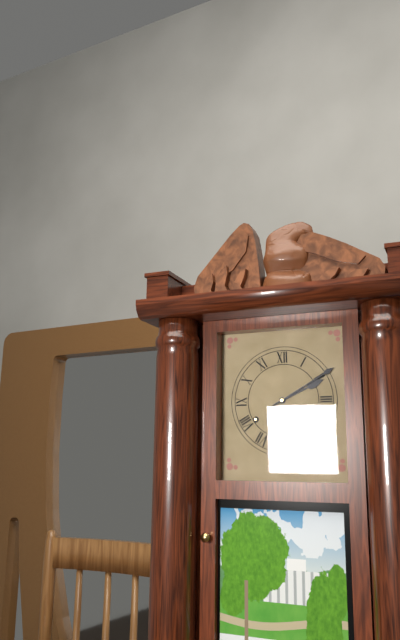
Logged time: 2:10
